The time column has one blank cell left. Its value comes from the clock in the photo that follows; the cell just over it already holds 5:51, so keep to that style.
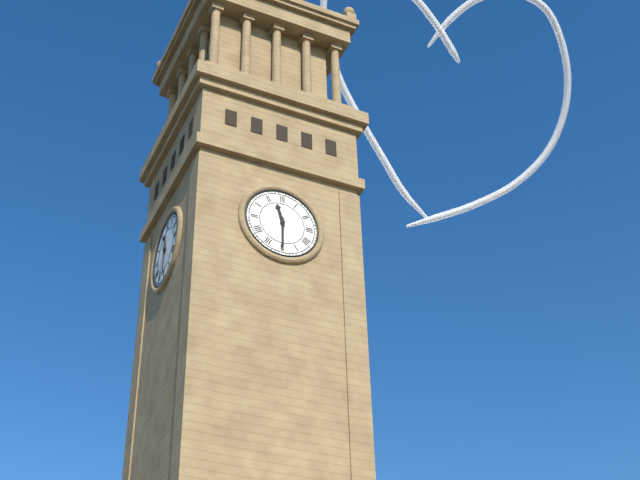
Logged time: 11:30
